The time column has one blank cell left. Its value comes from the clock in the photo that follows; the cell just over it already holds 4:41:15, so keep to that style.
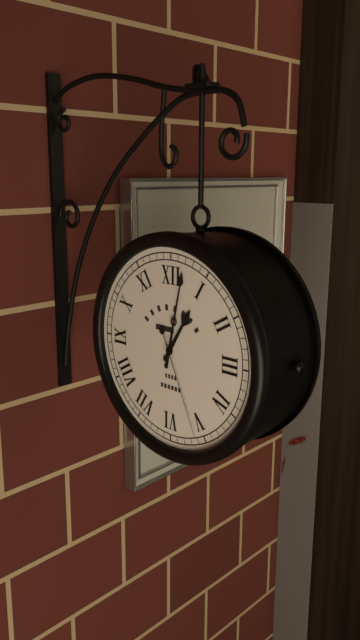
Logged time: 1:02:26
